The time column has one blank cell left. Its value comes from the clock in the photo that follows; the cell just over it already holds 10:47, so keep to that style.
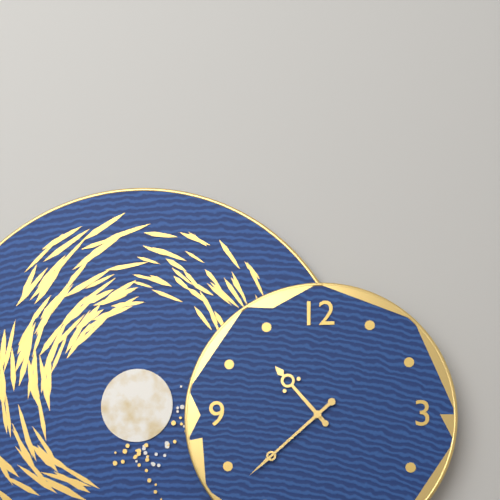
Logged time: 10:38
